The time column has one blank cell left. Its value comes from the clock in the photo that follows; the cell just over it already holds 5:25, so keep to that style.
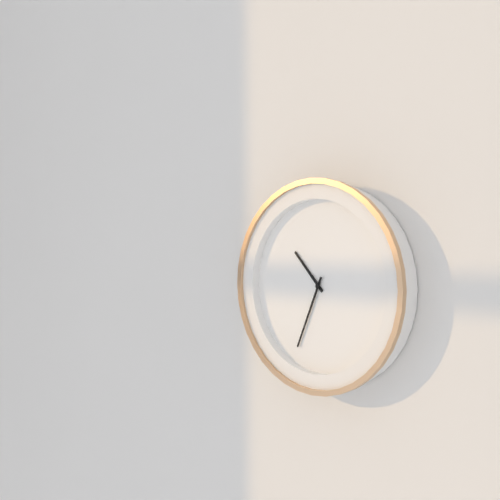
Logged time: 10:34
